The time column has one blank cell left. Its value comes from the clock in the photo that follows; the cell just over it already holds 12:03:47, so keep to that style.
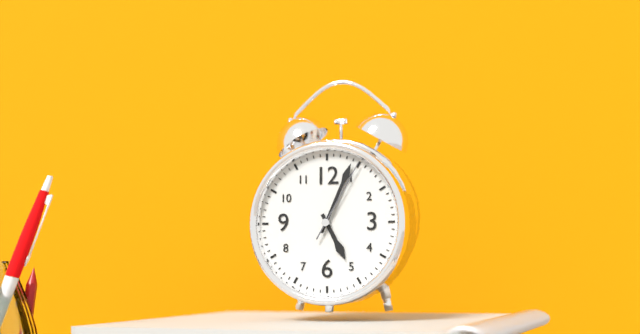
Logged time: 5:04:05
